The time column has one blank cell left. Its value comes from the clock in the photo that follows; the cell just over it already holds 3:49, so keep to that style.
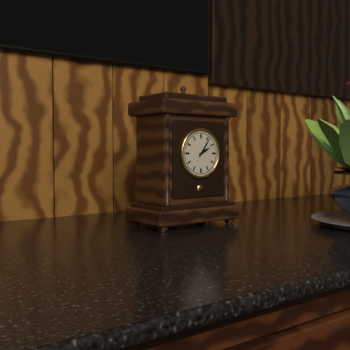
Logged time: 2:06
